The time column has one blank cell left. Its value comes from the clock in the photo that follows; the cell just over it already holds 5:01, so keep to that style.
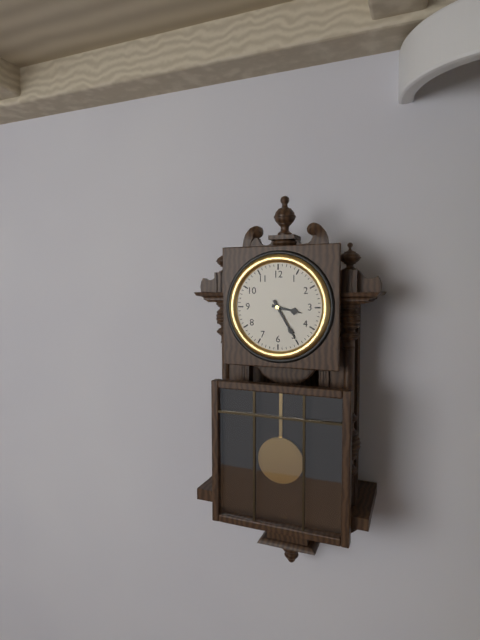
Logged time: 3:25
